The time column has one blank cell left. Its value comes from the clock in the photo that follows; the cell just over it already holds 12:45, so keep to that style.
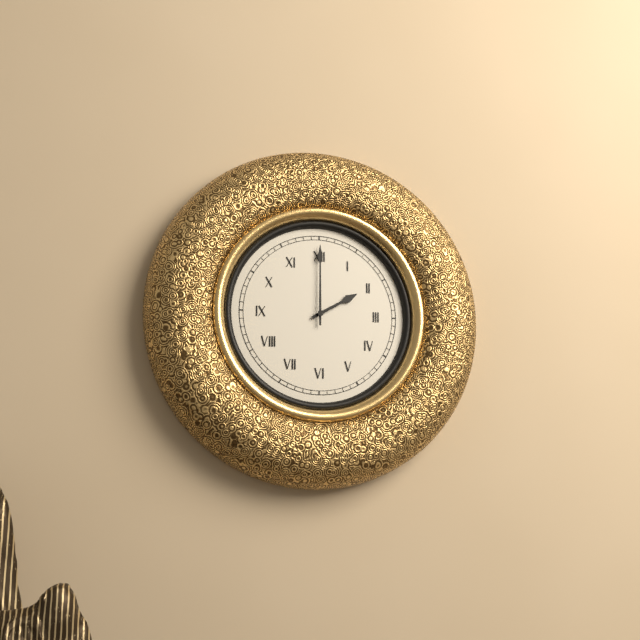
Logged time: 2:00
